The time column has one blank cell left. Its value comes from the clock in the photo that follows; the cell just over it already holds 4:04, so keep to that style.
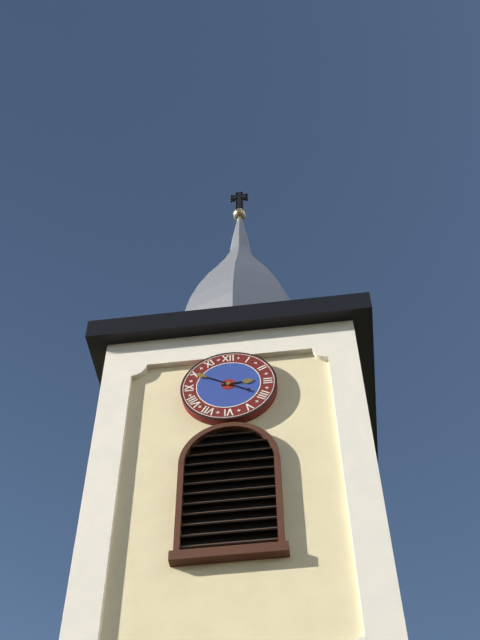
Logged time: 2:50
